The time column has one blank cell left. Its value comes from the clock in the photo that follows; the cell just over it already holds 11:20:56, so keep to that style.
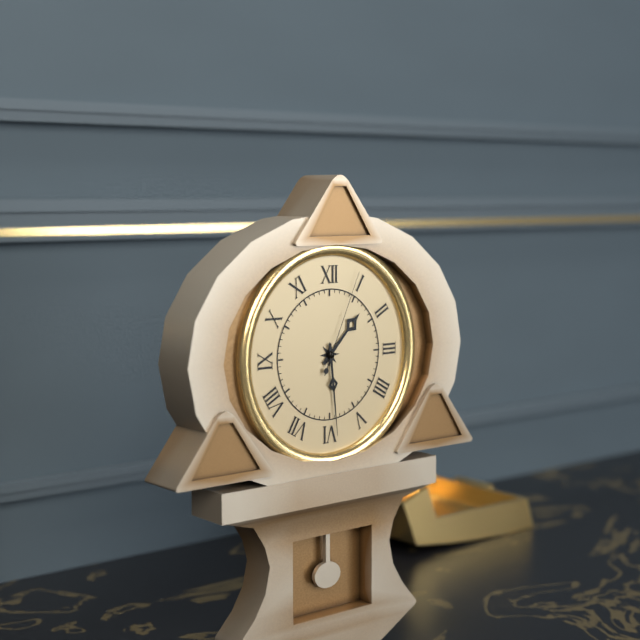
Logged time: 1:29:04
